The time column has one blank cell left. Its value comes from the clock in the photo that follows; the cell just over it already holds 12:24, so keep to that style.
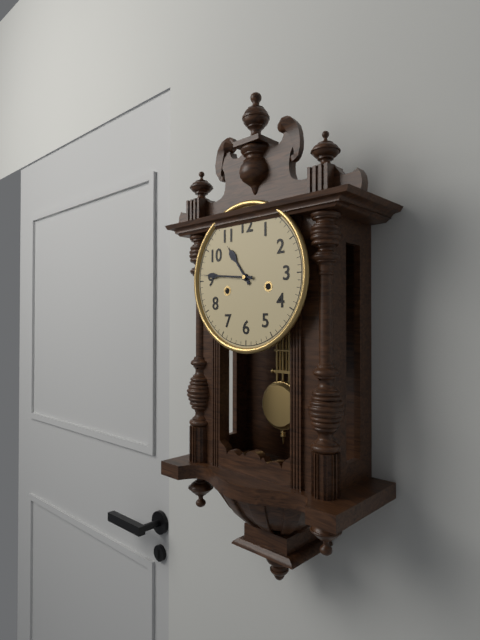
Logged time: 10:46
